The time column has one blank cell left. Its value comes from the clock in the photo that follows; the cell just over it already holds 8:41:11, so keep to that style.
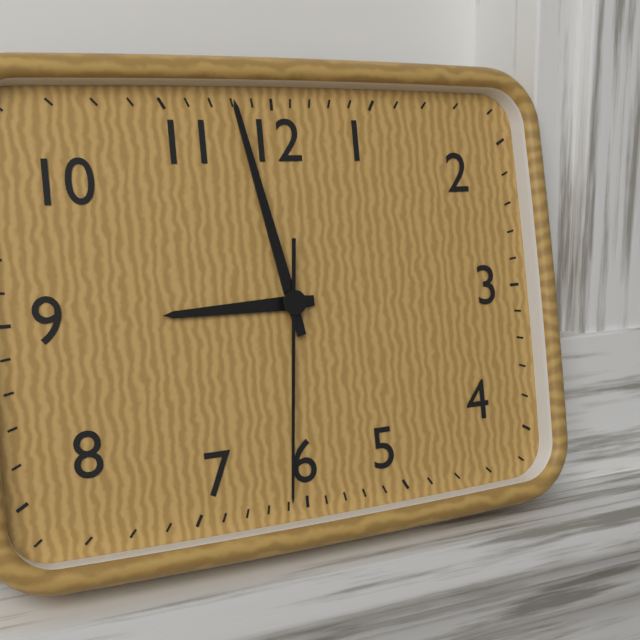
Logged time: 8:58:31
